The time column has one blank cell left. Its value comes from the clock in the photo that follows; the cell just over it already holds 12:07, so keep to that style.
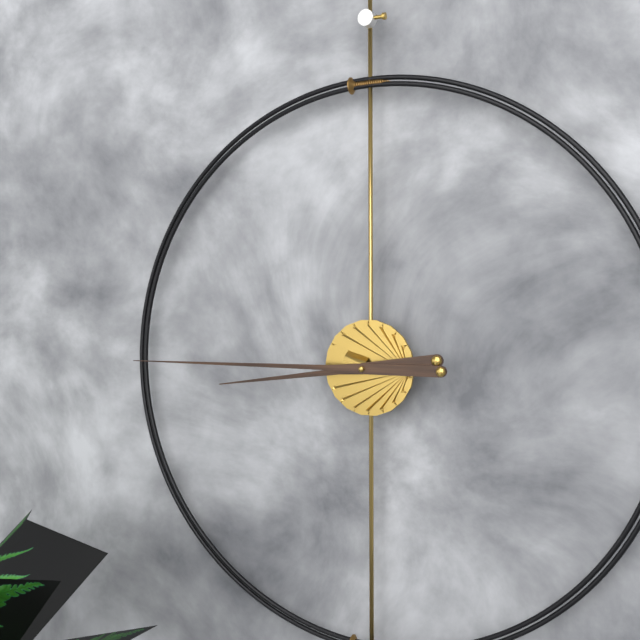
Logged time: 8:45
